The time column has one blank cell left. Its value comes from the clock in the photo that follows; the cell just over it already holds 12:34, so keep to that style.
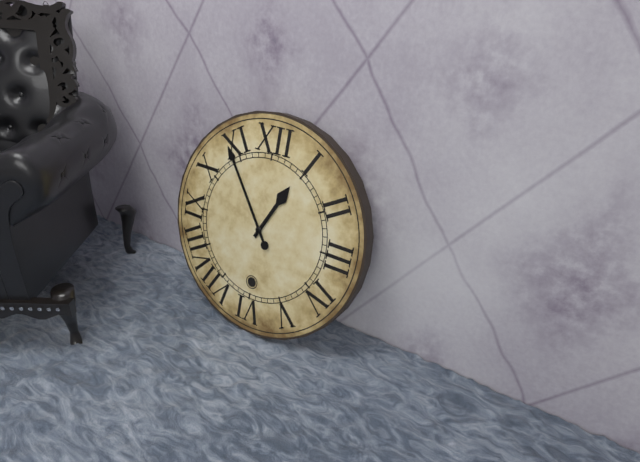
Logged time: 12:54
